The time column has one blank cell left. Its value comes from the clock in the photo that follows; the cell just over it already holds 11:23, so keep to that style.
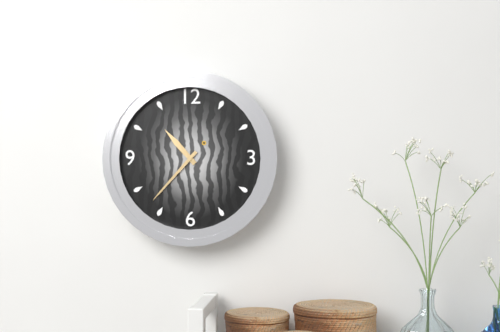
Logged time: 10:37
